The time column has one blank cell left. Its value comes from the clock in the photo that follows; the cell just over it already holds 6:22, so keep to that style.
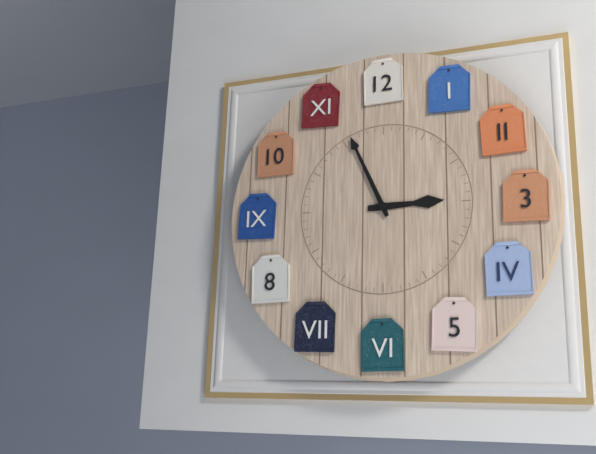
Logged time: 2:56
